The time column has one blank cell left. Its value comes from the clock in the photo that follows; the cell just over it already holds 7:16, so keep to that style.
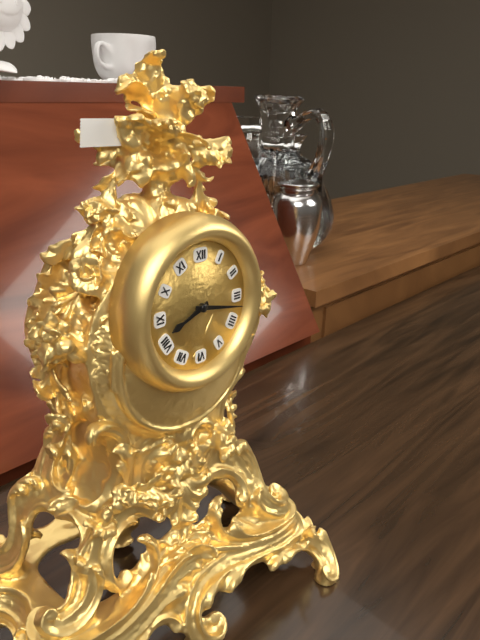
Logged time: 8:17
